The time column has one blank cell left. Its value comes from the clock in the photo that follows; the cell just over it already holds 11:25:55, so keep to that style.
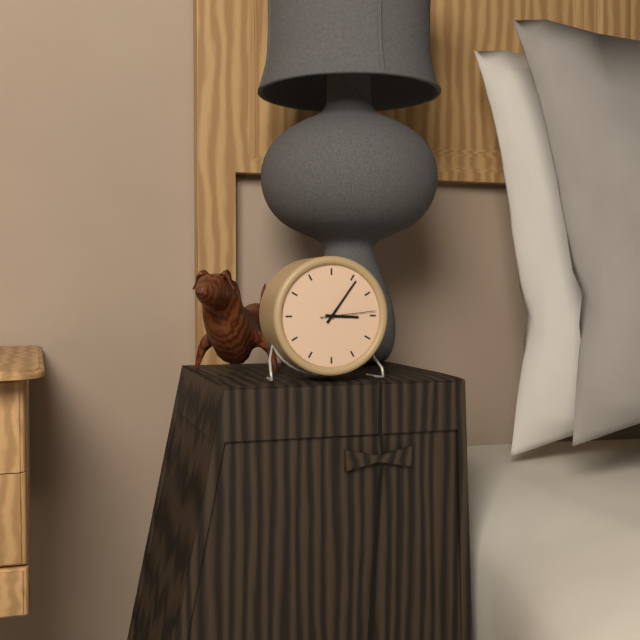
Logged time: 3:06:14
